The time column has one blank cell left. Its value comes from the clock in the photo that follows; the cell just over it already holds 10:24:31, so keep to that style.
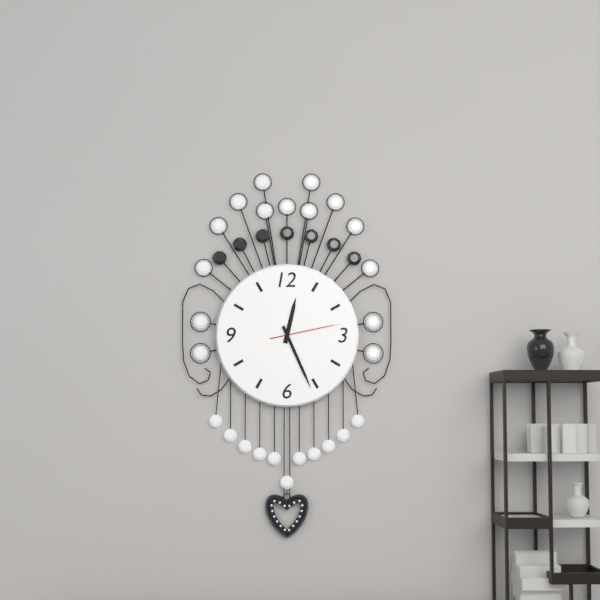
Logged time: 12:26:13
